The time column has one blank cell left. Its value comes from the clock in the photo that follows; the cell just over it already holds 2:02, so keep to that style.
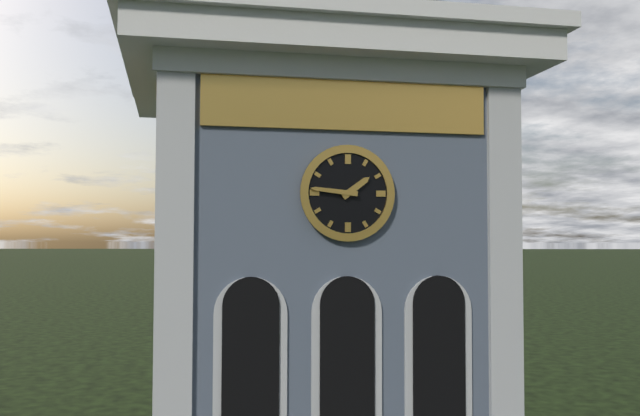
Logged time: 1:46
